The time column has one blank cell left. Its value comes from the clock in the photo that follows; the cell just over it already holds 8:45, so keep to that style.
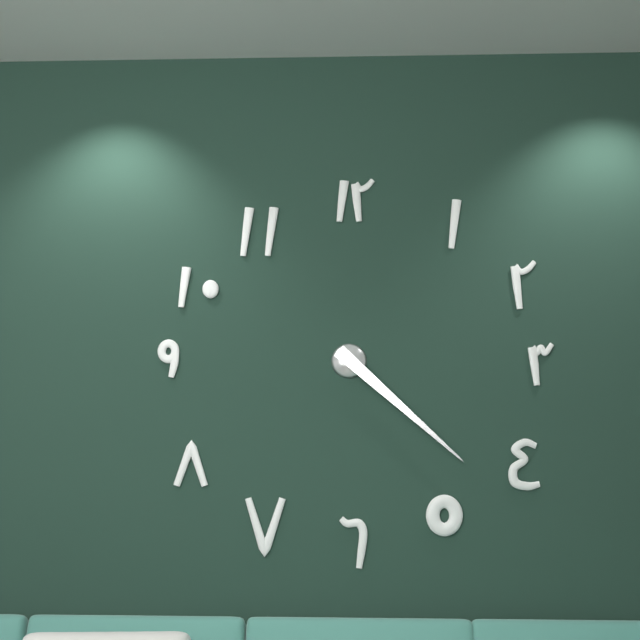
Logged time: 4:22
